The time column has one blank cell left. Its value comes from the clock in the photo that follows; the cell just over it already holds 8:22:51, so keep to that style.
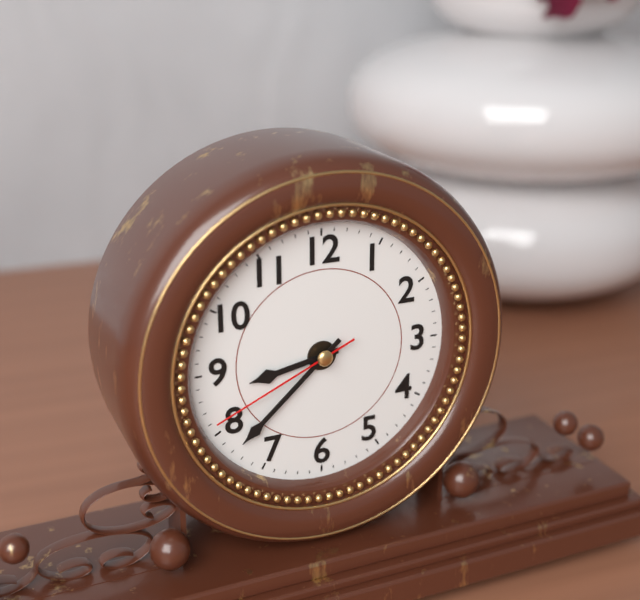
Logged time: 8:38:41
